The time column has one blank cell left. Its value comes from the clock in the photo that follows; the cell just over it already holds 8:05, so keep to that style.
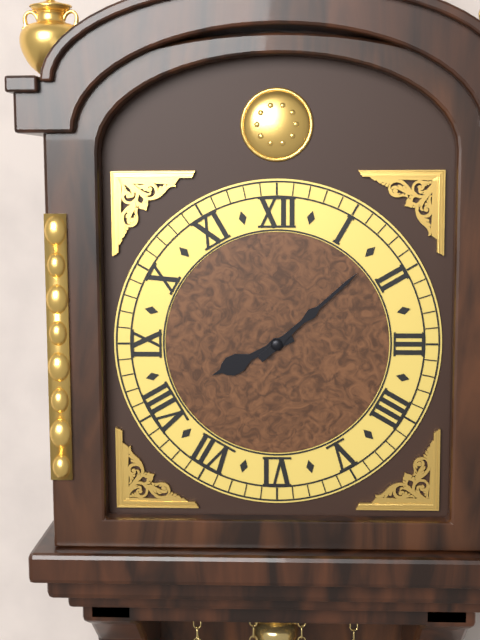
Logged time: 8:08
